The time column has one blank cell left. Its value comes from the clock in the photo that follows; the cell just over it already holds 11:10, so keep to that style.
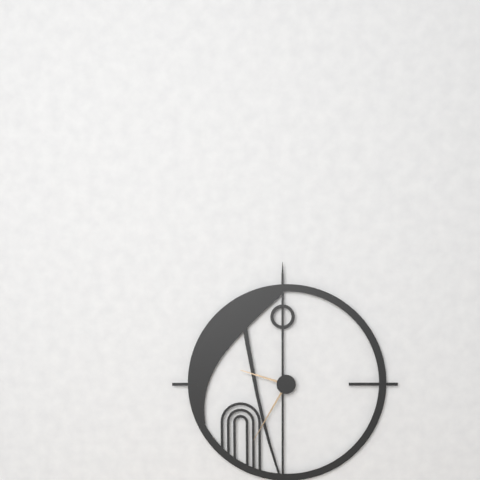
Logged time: 9:35
